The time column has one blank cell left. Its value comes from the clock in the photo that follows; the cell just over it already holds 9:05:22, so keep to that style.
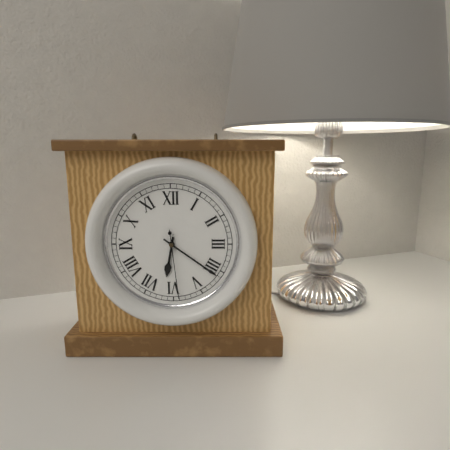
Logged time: 6:21:29
